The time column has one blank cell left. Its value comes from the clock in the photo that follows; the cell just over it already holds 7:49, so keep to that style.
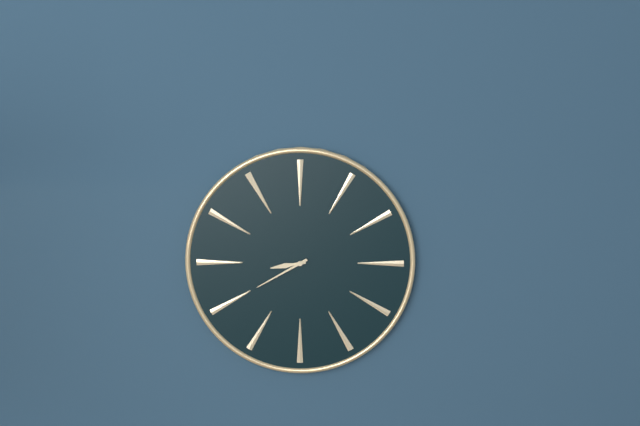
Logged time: 8:40
